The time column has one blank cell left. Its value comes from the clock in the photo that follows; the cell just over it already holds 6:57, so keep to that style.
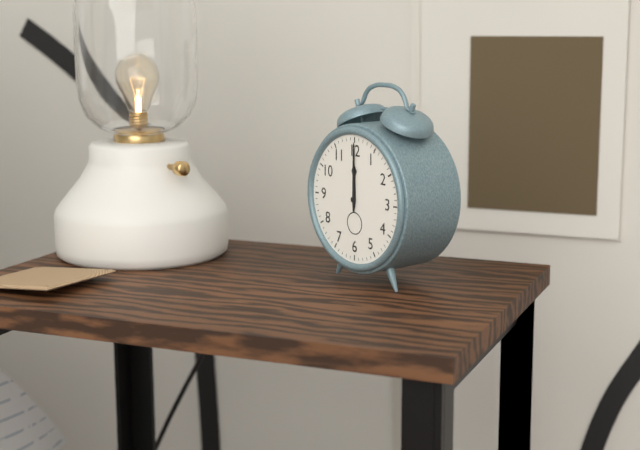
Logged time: 12:00
